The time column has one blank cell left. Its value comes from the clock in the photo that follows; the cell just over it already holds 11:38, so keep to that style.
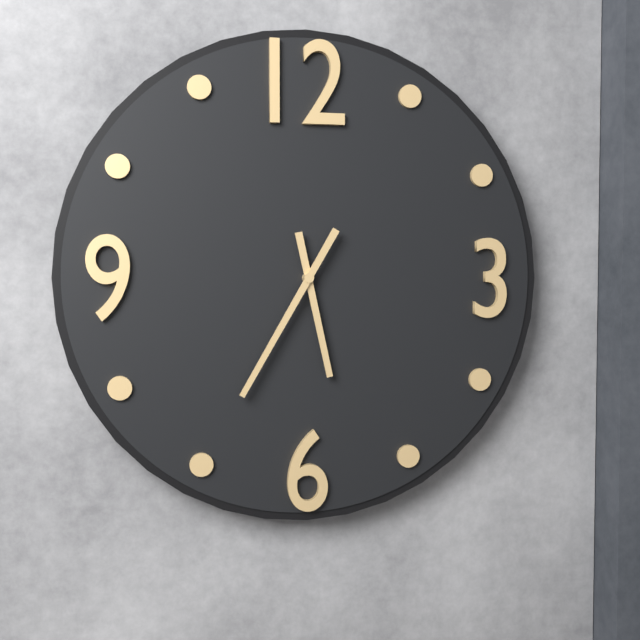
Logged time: 5:35
